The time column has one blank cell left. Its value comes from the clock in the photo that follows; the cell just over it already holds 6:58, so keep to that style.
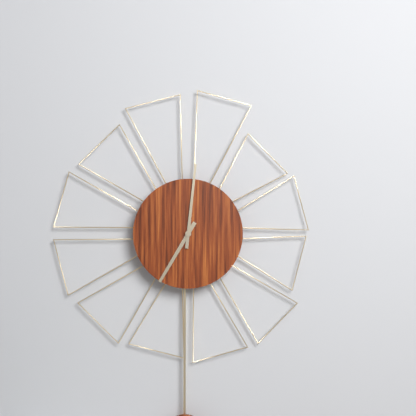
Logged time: 7:01
